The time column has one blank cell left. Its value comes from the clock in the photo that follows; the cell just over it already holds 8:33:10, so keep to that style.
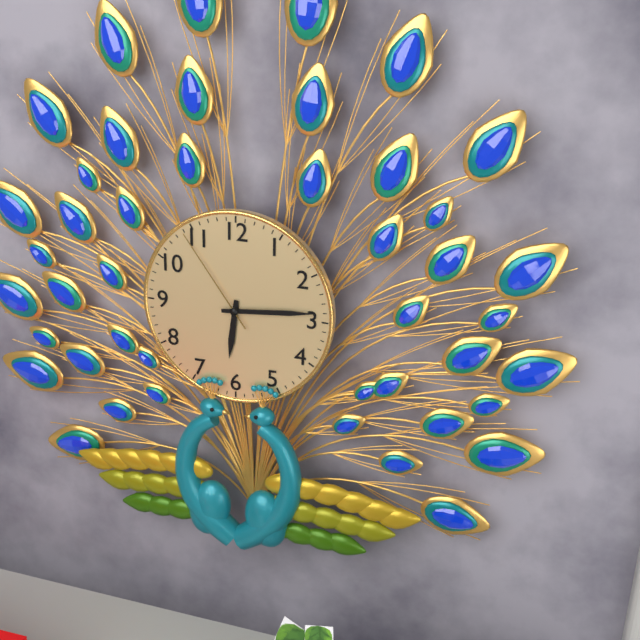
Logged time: 6:14:54
